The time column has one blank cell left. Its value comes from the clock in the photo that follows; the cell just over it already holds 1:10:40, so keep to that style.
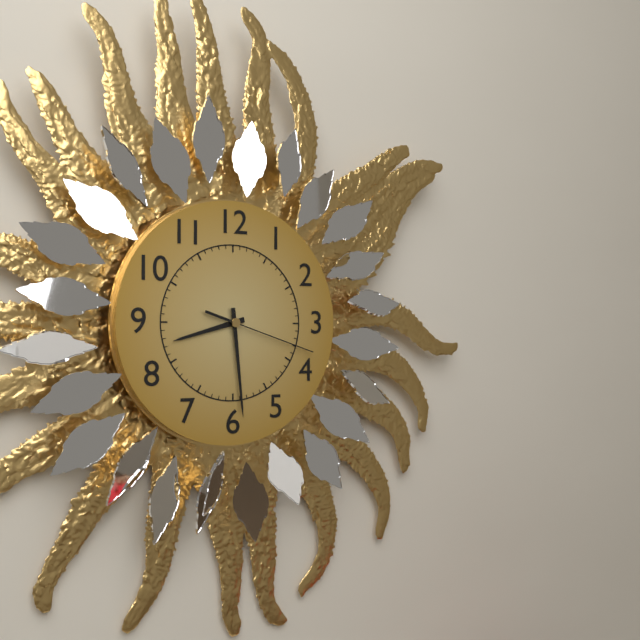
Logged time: 8:29:18
